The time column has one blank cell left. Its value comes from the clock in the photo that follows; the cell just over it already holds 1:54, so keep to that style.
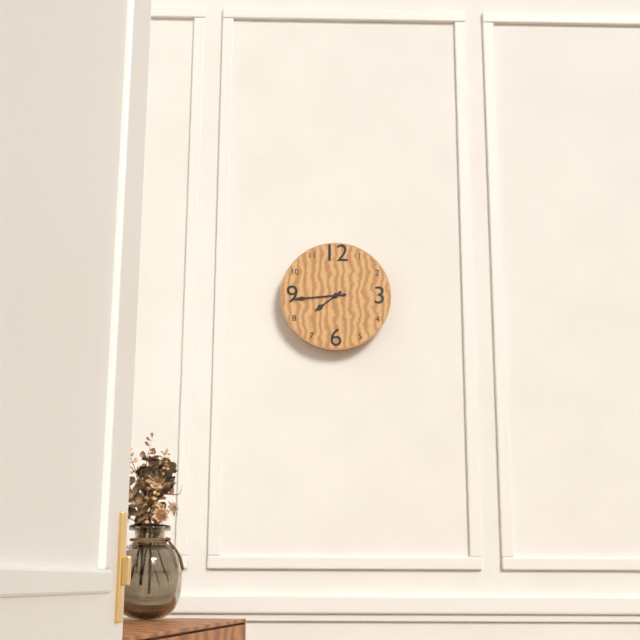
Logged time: 7:44
